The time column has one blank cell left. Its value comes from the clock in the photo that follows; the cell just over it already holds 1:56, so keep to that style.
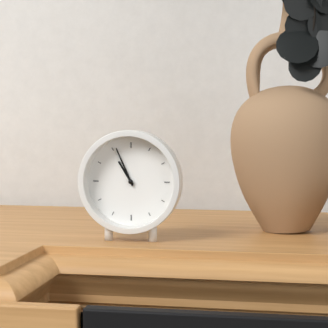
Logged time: 10:56
